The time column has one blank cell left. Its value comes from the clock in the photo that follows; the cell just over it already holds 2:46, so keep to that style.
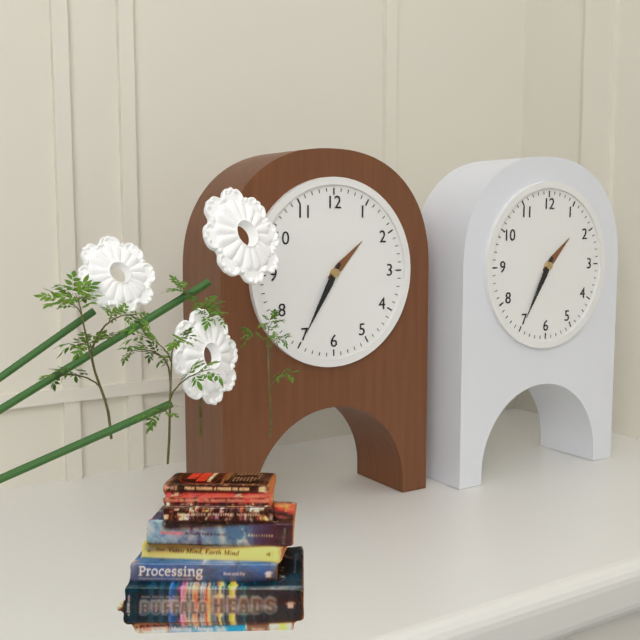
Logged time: 1:35
